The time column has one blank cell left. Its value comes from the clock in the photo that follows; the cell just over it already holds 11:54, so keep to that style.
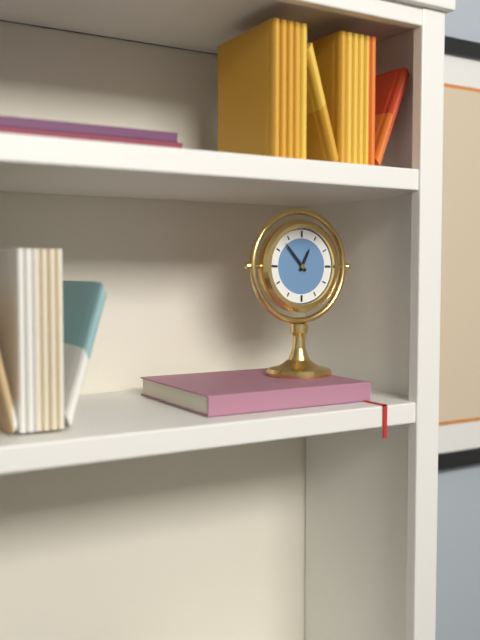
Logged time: 12:53
